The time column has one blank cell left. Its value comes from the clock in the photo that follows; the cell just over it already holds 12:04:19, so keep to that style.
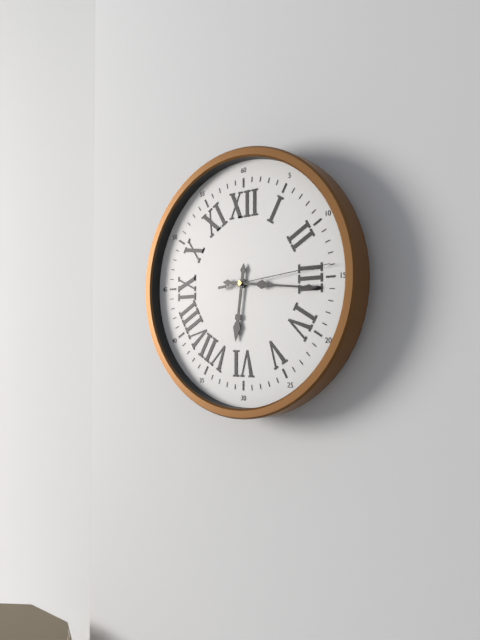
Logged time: 6:16:14
